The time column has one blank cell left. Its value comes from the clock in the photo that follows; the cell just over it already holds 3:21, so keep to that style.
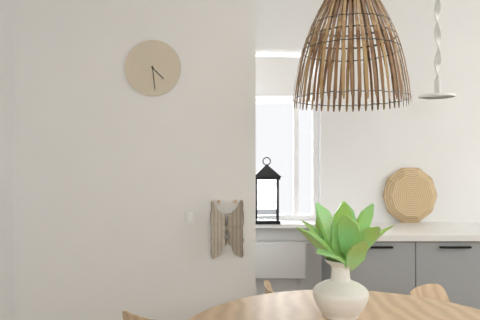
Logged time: 4:29
